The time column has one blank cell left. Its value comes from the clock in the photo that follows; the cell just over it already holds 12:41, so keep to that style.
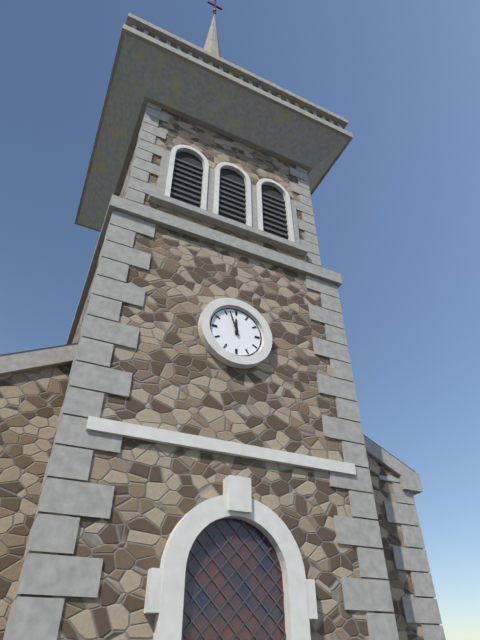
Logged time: 11:57
